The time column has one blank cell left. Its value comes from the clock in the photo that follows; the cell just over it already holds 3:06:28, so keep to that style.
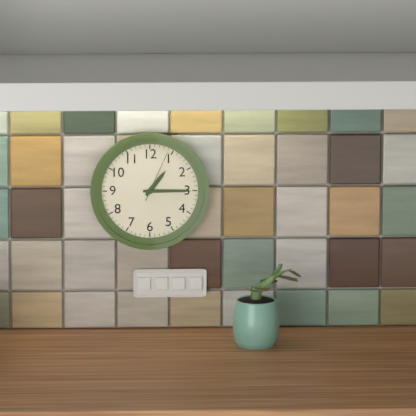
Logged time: 1:15:04
